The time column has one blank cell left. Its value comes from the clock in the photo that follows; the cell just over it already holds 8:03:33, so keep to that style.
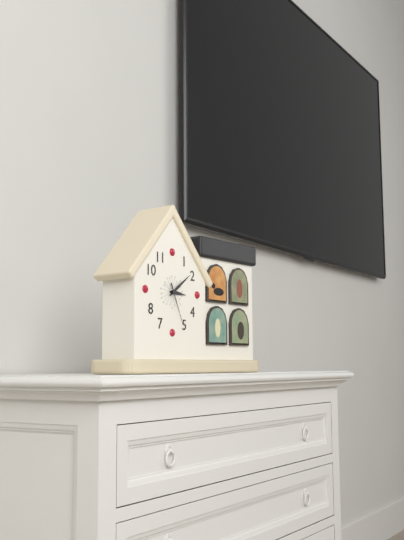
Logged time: 3:09:26
